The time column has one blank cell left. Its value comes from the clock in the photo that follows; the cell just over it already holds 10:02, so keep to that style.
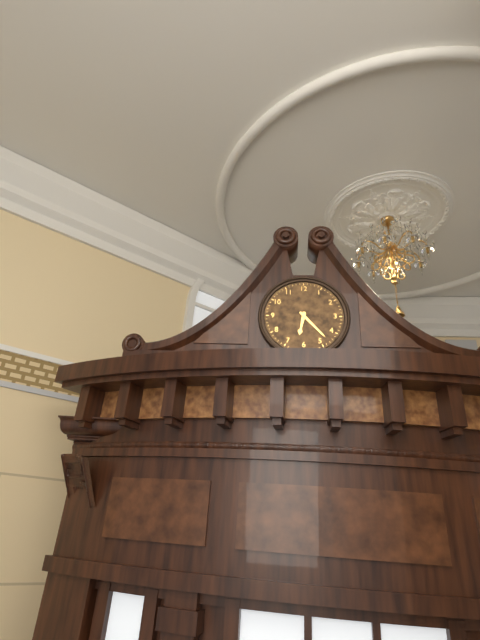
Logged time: 6:23
